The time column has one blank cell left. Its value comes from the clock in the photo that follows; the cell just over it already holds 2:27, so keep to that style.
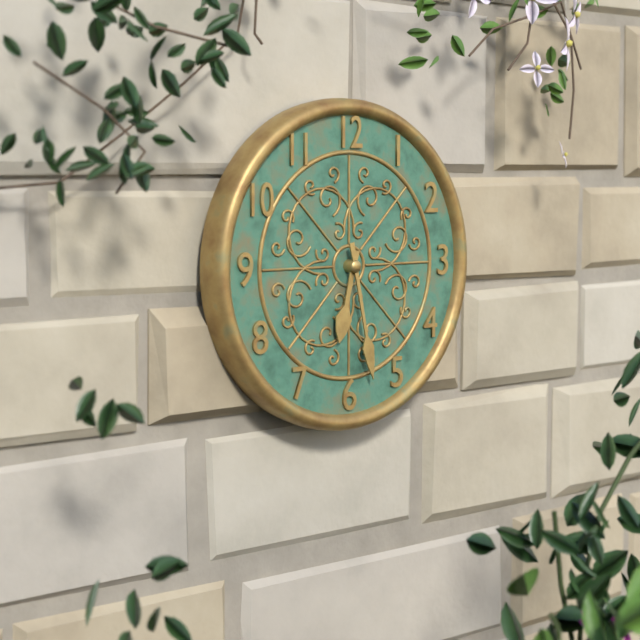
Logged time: 6:28
